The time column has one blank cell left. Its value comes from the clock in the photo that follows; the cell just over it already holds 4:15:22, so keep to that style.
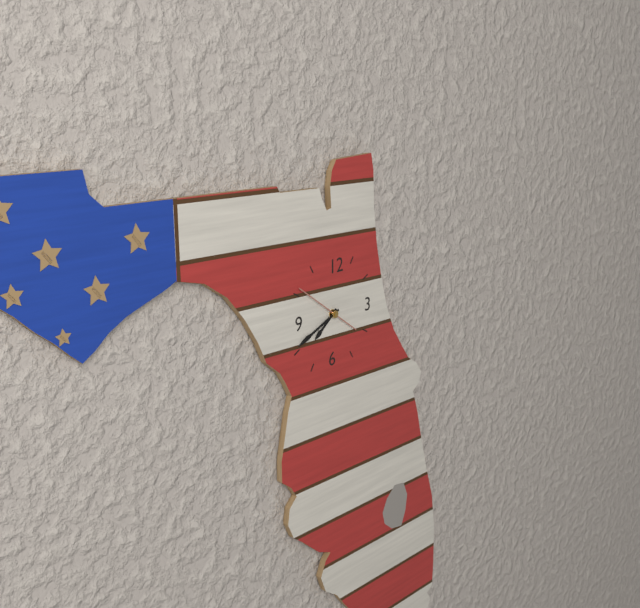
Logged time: 7:41:51
